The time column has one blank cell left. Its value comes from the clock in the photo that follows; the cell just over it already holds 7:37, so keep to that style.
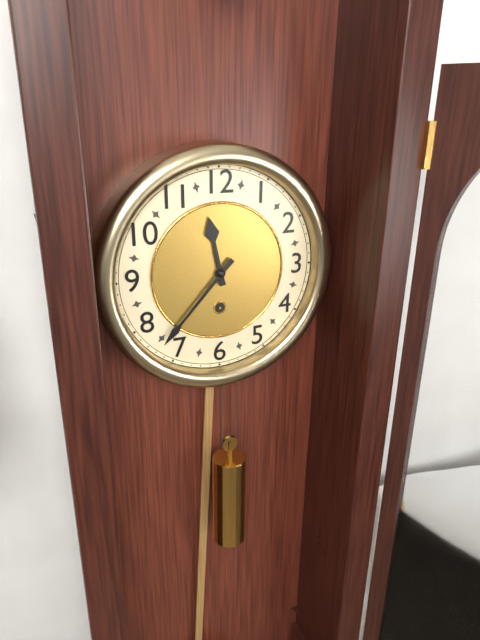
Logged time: 11:37
